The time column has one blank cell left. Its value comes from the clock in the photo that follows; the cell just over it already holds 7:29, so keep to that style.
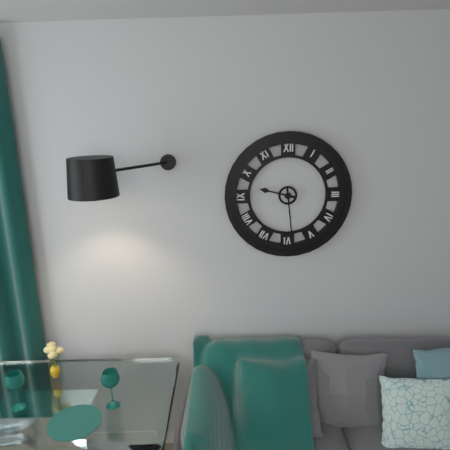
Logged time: 9:29
